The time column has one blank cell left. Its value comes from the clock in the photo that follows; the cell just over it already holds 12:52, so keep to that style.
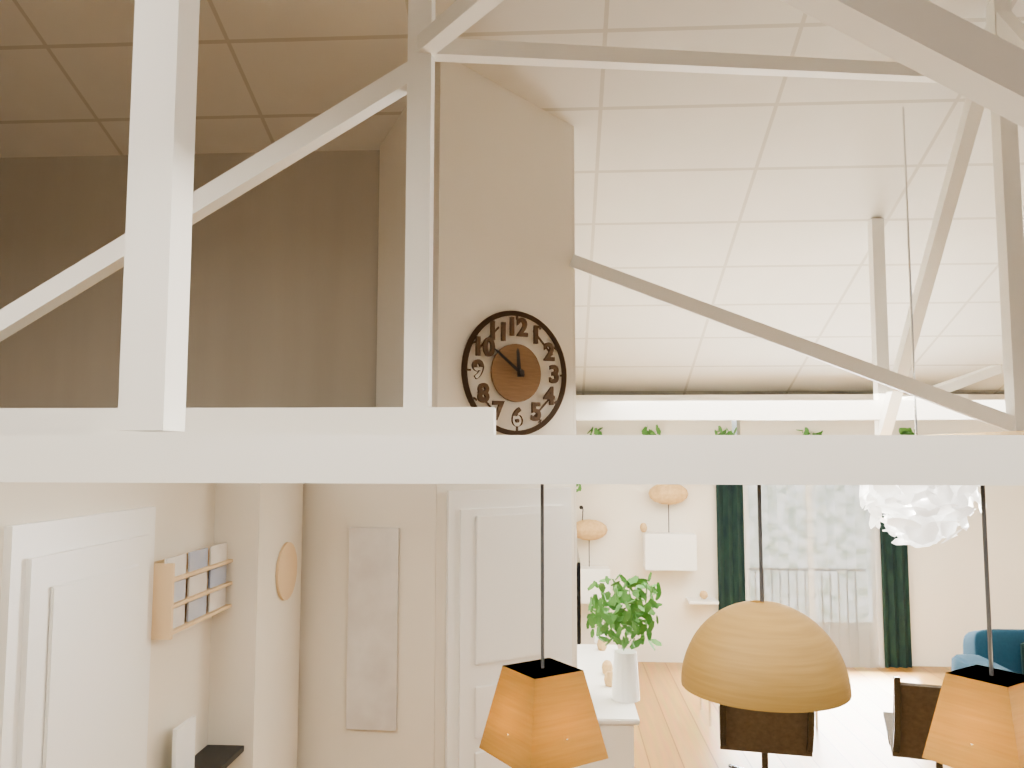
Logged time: 11:51
